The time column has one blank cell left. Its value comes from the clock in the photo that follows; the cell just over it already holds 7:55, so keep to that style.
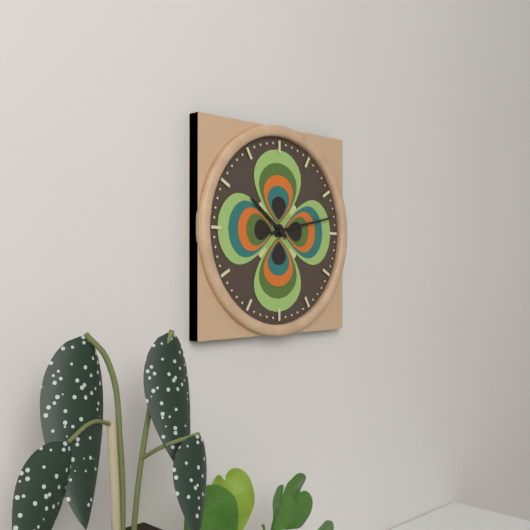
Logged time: 10:13
